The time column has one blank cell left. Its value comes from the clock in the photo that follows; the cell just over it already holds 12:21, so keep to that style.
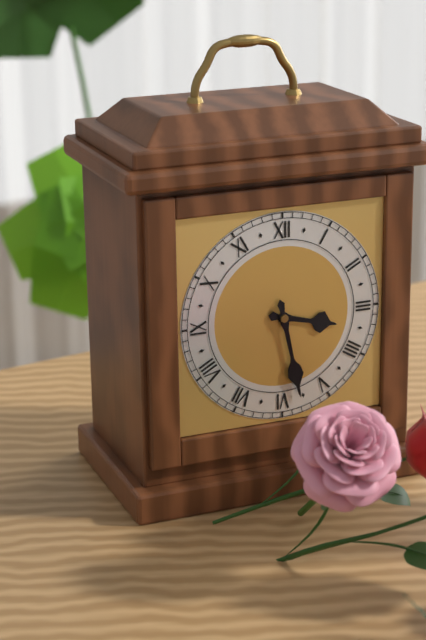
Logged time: 3:28
